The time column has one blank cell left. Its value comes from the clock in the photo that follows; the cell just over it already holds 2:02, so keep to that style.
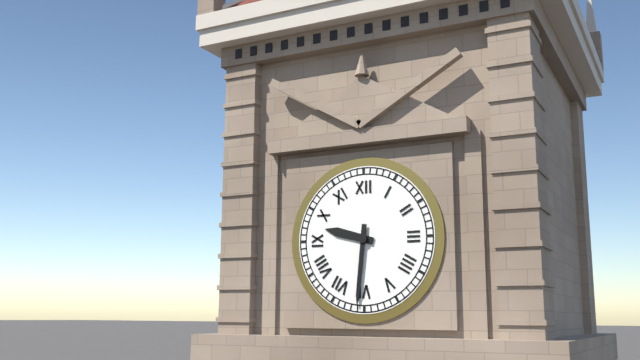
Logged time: 9:31
